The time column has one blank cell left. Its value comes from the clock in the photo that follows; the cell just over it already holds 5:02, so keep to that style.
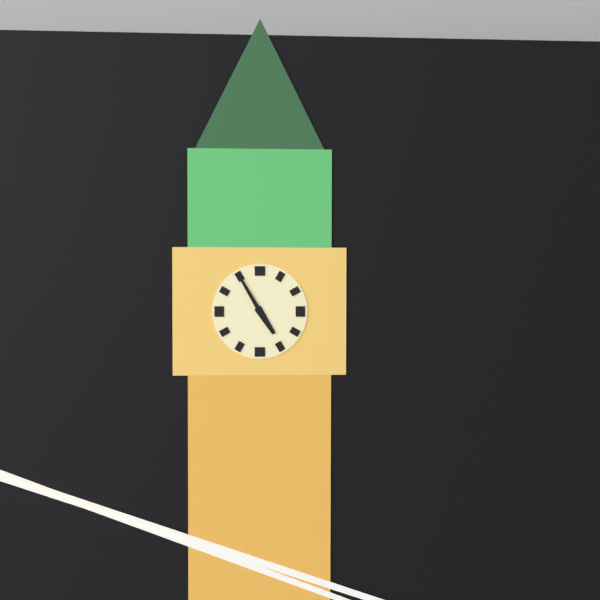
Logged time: 4:55
